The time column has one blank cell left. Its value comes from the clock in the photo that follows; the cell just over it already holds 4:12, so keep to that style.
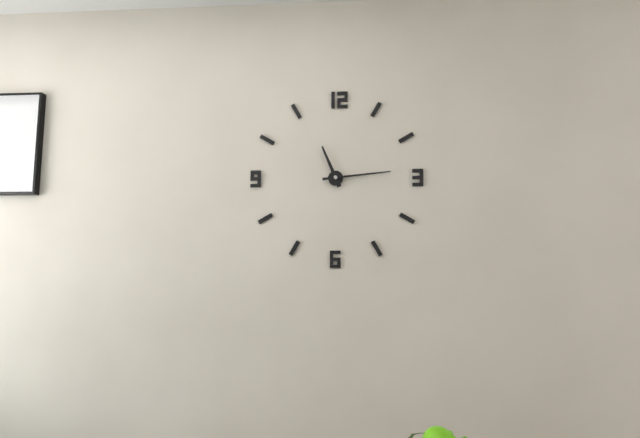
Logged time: 11:14
